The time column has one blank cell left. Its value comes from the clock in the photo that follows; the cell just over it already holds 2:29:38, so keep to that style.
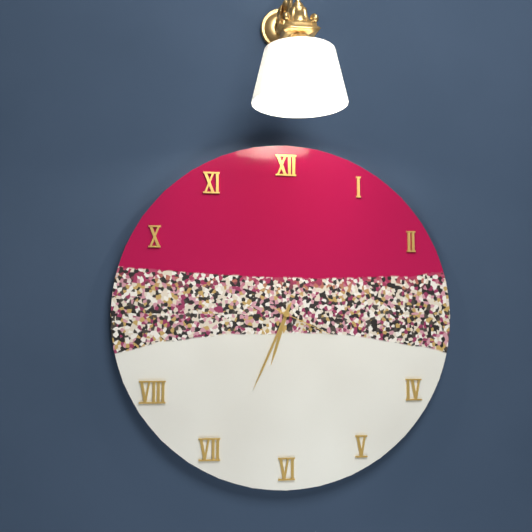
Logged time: 6:34:19
